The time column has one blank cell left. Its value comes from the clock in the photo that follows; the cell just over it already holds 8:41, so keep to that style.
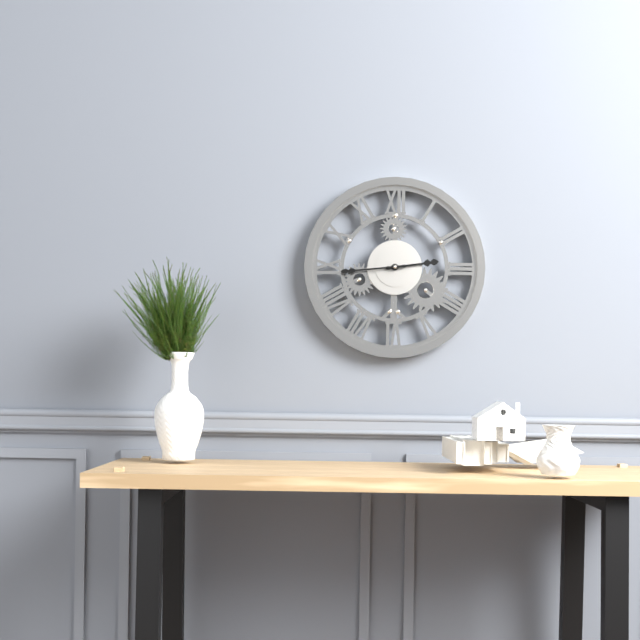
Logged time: 2:44
